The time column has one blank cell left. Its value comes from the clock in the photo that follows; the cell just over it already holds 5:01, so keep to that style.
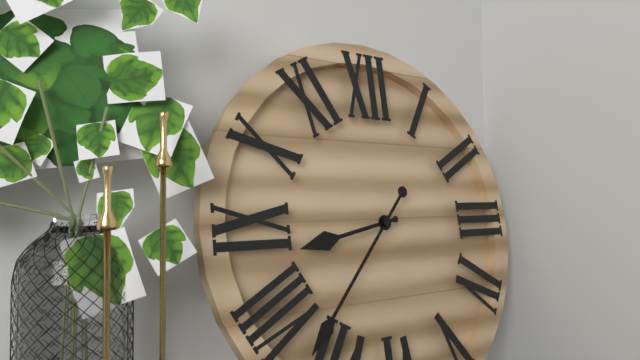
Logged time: 8:37
